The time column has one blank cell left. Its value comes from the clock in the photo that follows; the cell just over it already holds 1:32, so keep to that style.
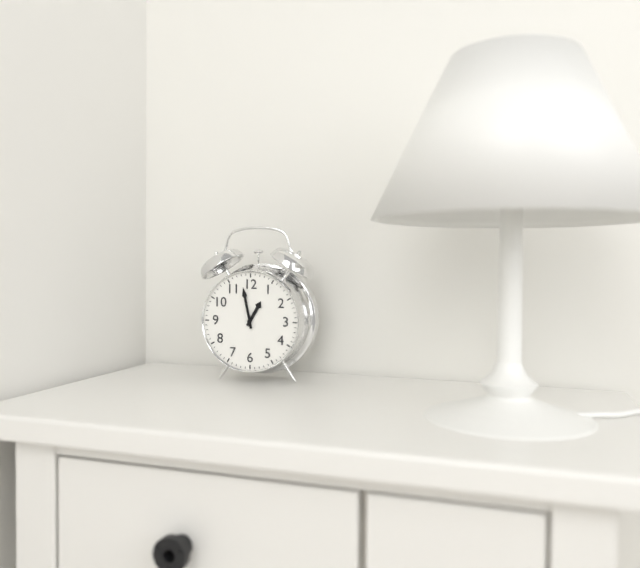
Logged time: 12:58
